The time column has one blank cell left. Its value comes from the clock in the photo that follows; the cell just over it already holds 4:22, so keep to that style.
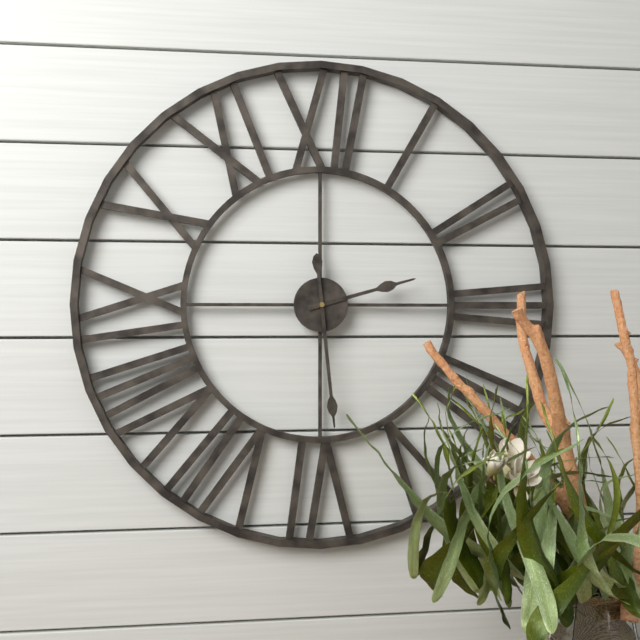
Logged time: 2:29
